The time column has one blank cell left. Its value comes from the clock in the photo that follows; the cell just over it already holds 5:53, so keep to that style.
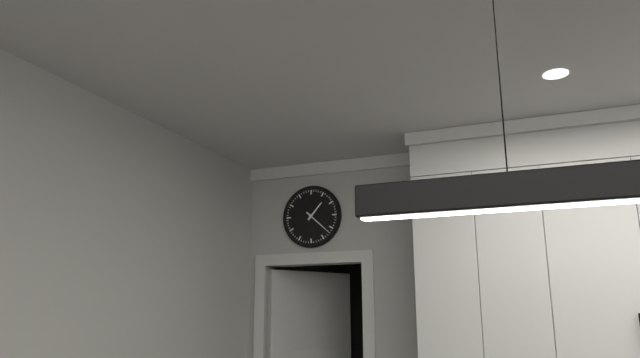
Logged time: 1:22
